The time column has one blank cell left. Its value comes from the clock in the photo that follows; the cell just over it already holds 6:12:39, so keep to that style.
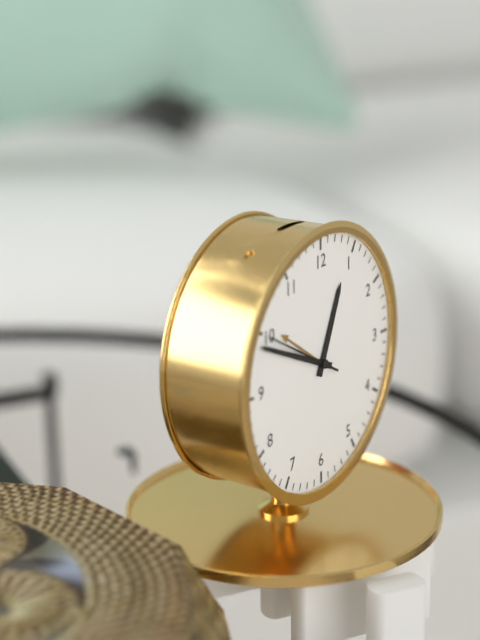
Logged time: 12:49:50
